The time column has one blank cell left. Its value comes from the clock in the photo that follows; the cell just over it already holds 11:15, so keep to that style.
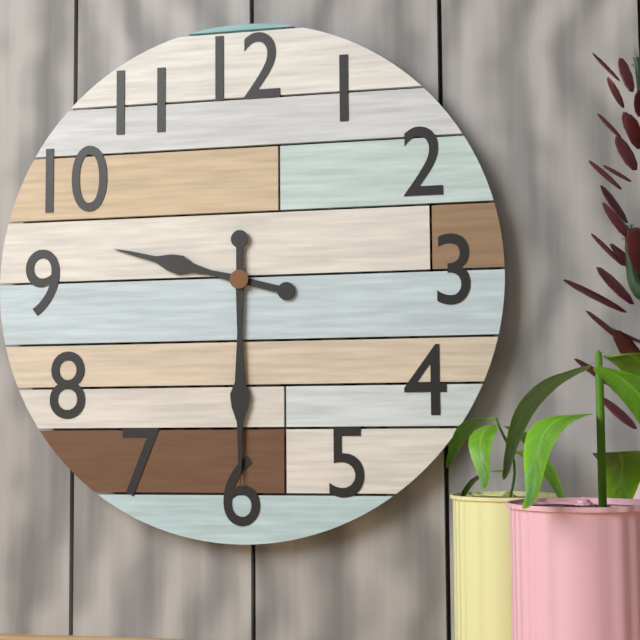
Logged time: 9:30
